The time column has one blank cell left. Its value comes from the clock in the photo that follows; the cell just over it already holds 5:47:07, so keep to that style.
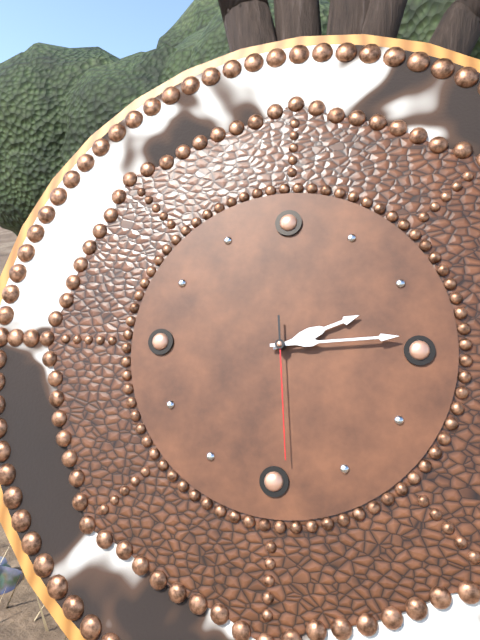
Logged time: 2:14:29
